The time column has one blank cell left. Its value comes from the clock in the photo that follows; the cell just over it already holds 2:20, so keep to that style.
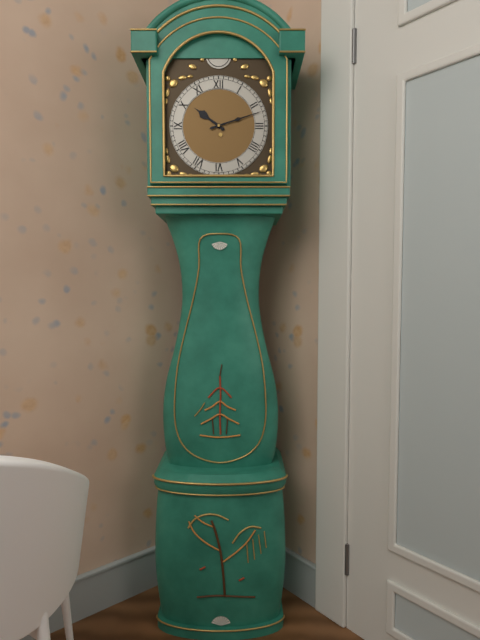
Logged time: 10:12
